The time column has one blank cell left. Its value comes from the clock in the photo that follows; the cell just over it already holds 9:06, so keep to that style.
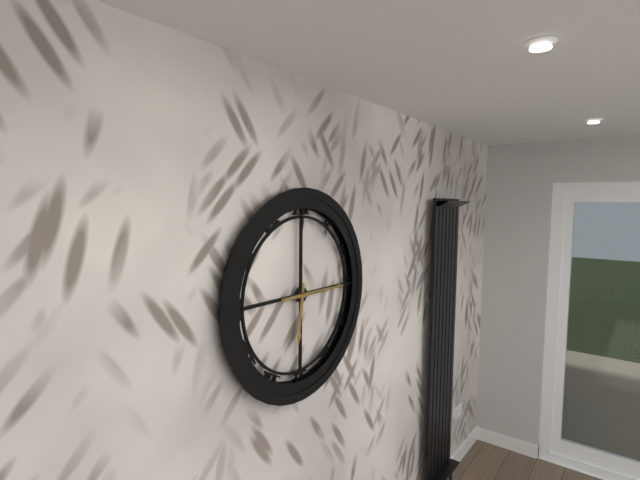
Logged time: 6:15
